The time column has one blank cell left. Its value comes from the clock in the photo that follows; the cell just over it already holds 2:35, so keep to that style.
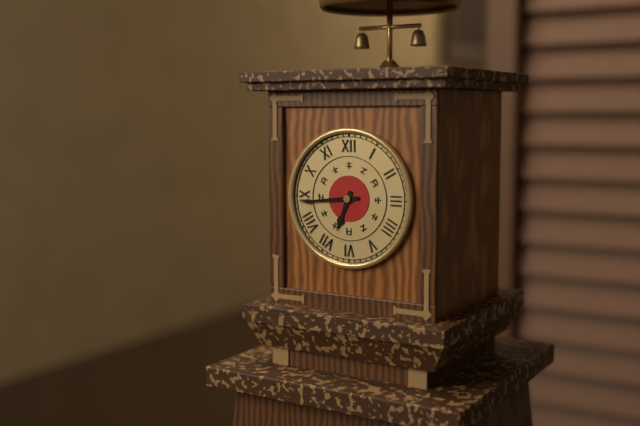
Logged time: 6:44
